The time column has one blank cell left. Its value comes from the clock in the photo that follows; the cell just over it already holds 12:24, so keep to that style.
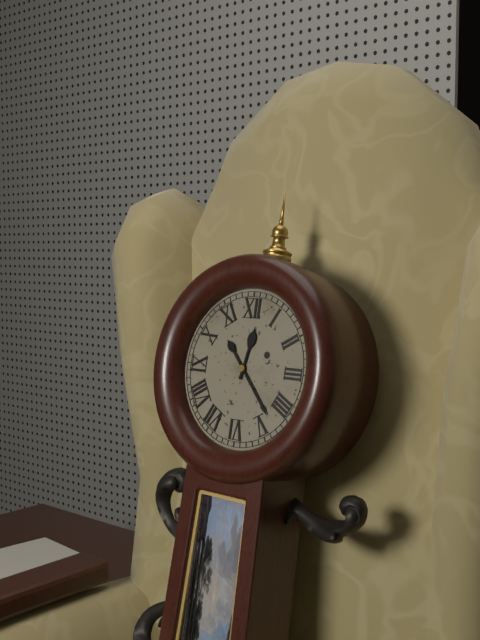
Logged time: 12:23
